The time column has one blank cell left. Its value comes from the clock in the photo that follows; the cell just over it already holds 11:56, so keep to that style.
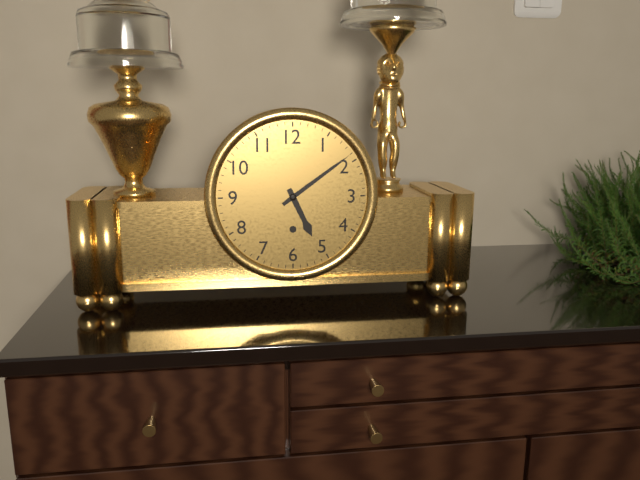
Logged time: 5:09
